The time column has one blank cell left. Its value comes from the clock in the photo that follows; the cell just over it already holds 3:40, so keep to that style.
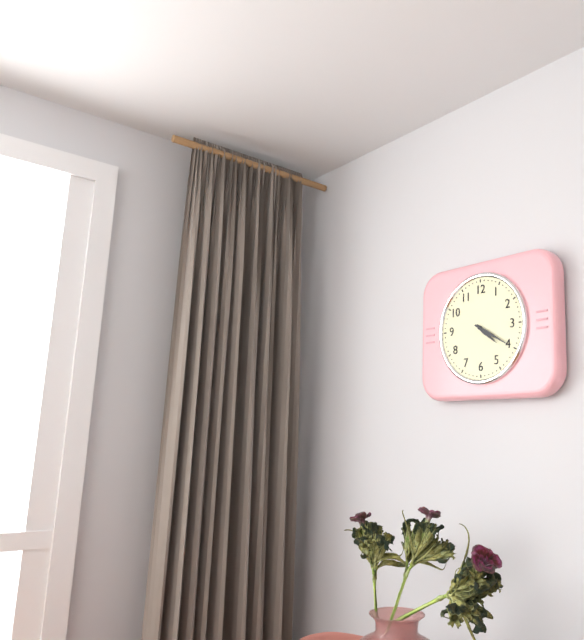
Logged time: 4:20
